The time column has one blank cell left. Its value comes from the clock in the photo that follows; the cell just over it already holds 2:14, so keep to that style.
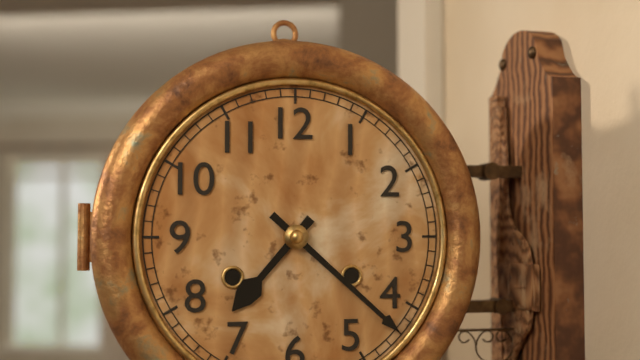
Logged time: 7:22
